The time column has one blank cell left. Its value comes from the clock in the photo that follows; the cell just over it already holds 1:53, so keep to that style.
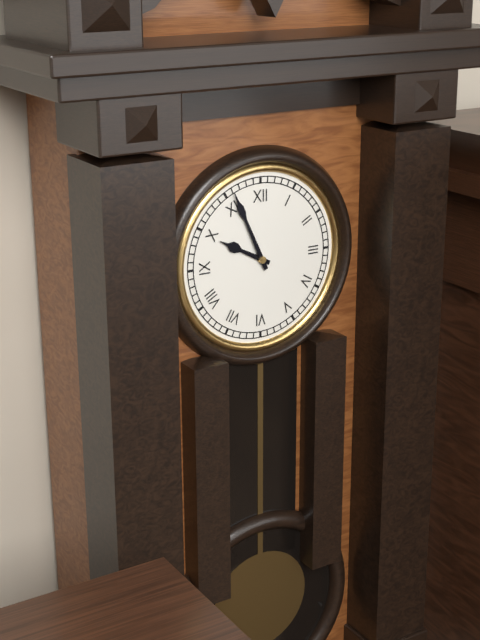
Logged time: 9:56
